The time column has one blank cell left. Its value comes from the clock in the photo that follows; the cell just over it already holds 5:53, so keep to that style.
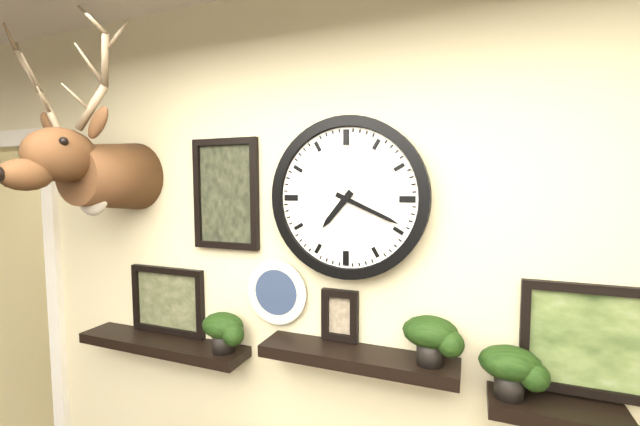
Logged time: 7:19
